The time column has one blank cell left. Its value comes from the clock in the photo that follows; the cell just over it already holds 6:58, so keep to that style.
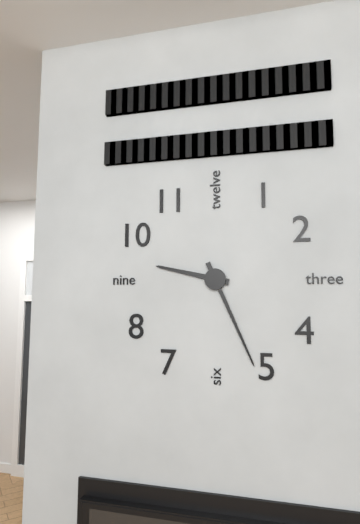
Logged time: 9:26
